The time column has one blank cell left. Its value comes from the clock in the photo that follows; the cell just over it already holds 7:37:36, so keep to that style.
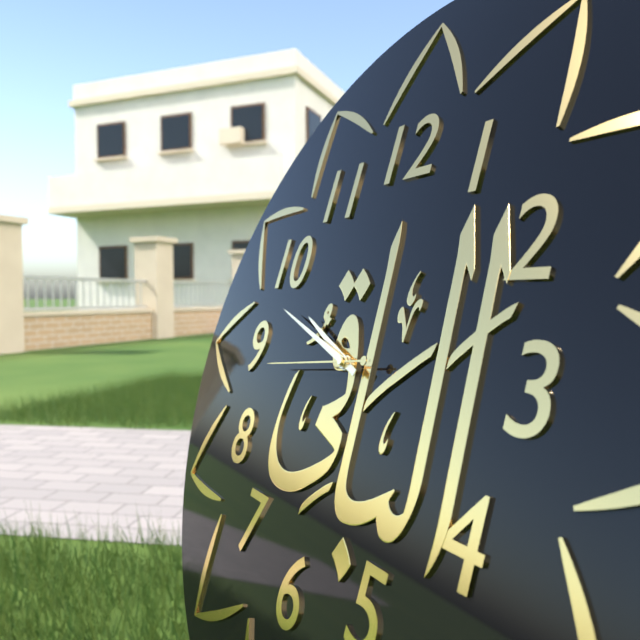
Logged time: 9:48:44
